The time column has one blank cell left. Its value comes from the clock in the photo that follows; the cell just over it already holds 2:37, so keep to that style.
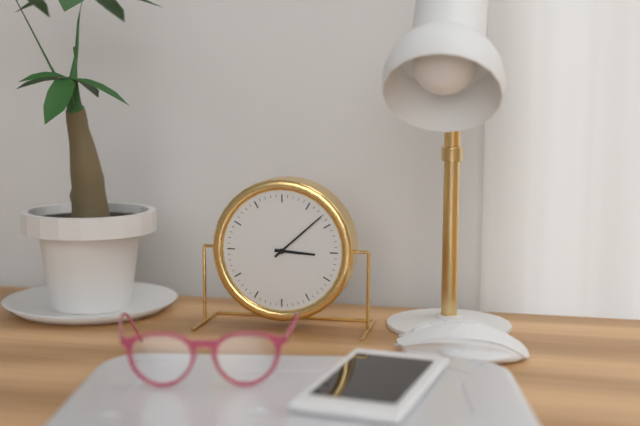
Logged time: 3:08
